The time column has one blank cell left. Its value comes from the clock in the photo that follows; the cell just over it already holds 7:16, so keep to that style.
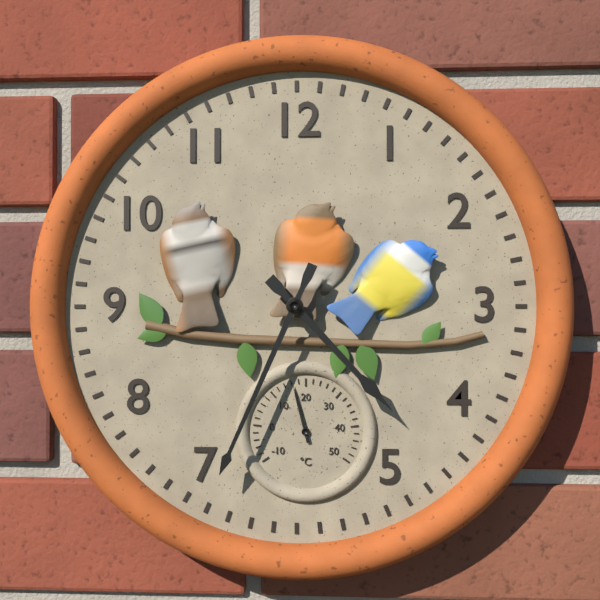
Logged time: 4:34
